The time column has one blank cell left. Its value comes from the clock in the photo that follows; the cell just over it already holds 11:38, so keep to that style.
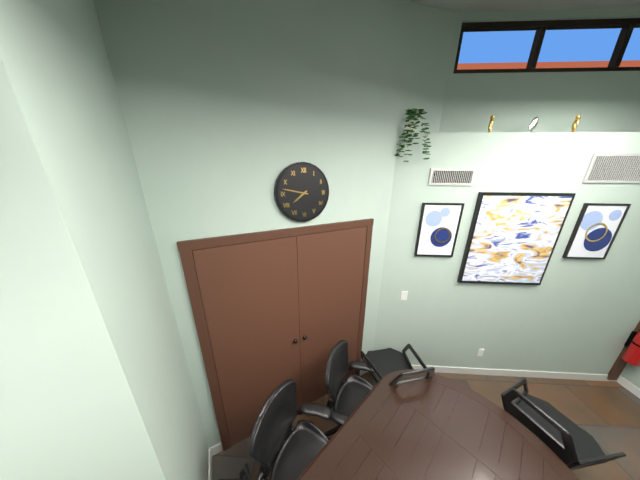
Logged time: 7:47
